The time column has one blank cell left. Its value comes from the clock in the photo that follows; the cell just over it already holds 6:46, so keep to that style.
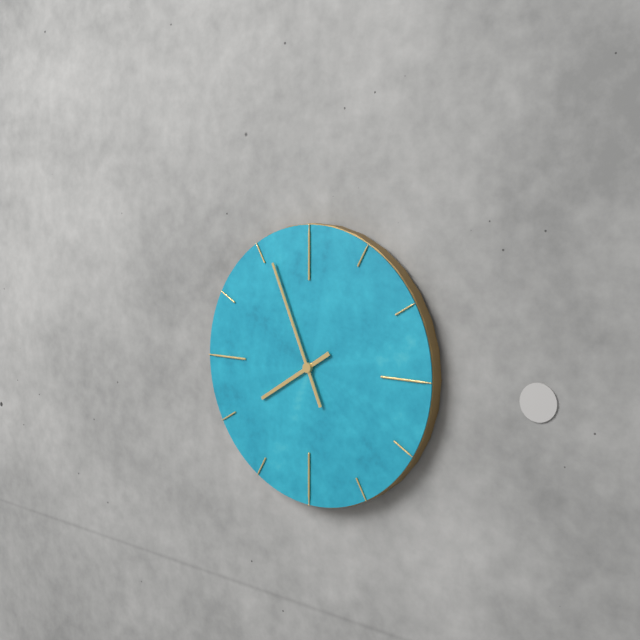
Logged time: 7:56
